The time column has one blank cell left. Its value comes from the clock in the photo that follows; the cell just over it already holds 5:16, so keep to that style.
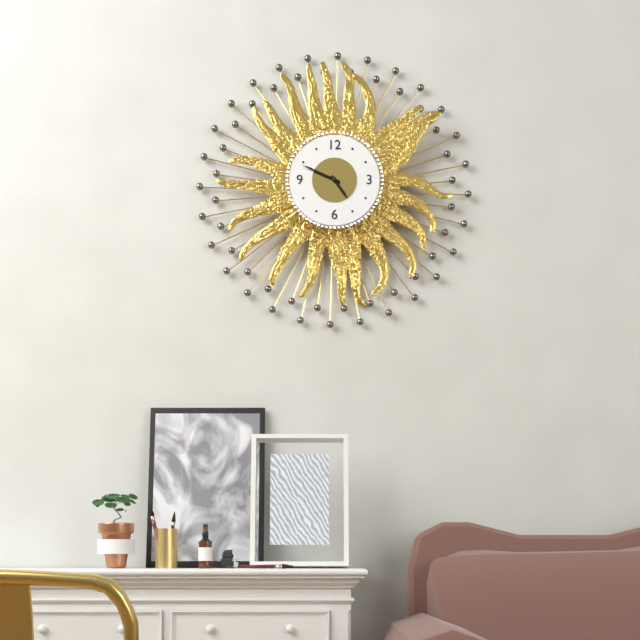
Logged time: 4:49
